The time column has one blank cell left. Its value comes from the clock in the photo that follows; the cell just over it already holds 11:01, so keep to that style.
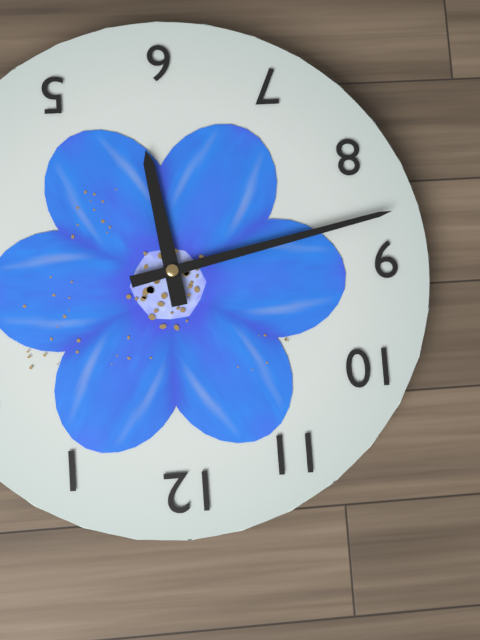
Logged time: 5:43
